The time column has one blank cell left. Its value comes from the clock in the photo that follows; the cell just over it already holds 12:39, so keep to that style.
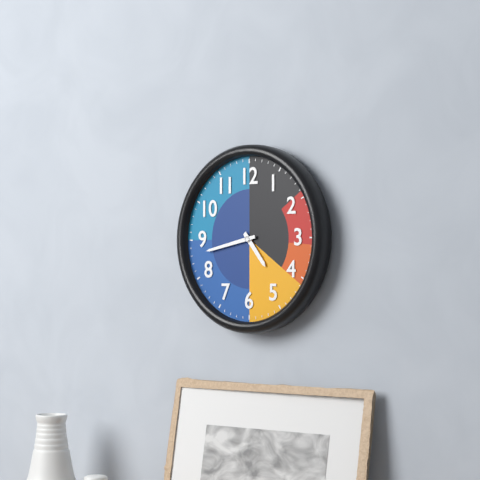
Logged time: 4:43
